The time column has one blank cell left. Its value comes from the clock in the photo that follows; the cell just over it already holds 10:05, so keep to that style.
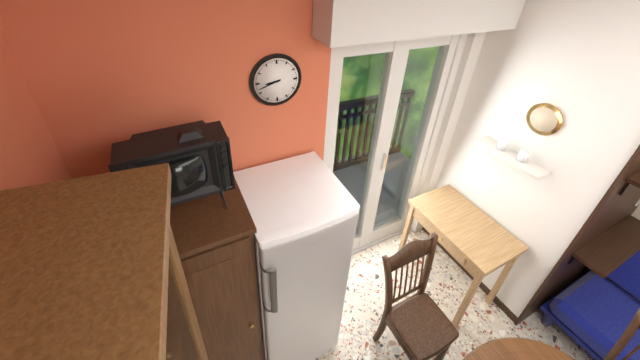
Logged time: 8:42
